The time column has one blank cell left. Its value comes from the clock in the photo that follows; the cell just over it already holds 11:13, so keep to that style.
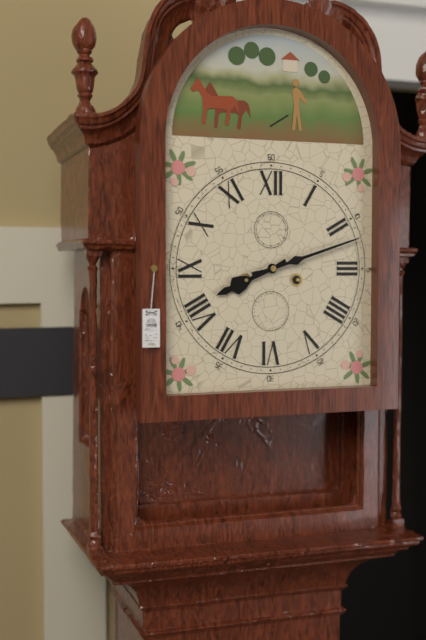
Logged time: 8:12
